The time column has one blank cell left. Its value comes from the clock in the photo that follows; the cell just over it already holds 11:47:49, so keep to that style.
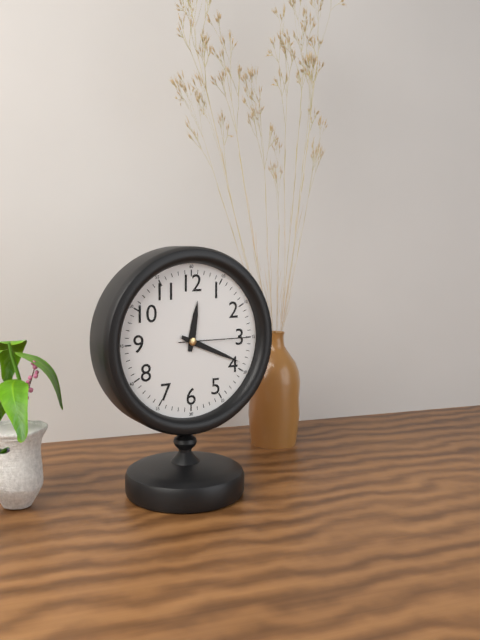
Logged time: 12:19:15
